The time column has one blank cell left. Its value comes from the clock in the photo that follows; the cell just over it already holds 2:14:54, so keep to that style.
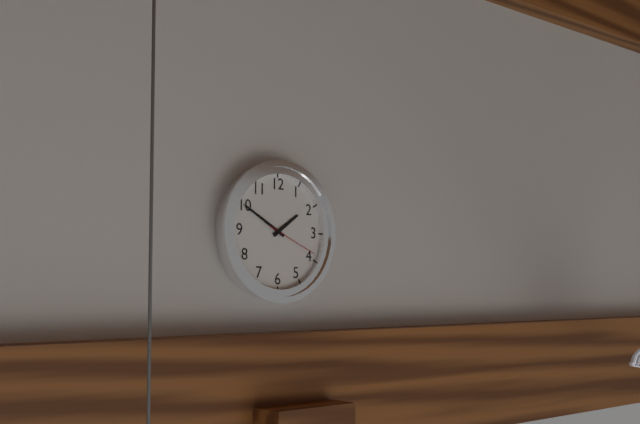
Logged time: 1:50:19
